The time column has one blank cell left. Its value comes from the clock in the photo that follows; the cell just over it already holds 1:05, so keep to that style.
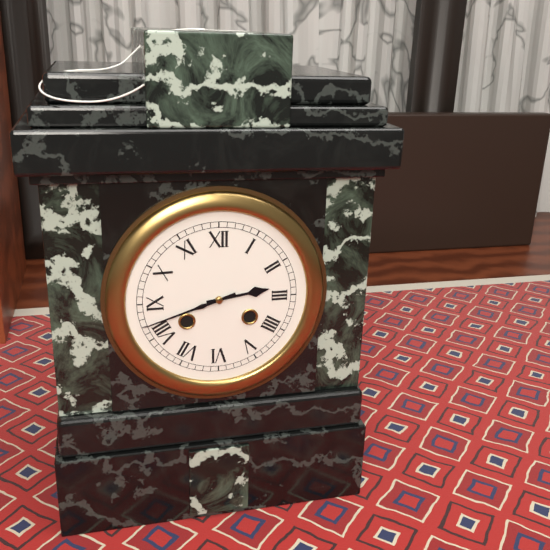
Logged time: 2:42
